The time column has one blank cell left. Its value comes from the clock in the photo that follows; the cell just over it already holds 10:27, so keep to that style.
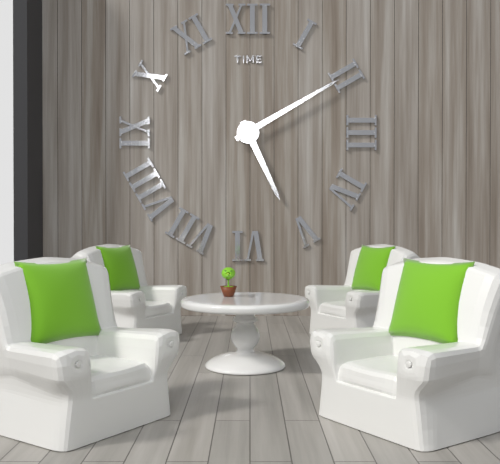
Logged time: 5:10
